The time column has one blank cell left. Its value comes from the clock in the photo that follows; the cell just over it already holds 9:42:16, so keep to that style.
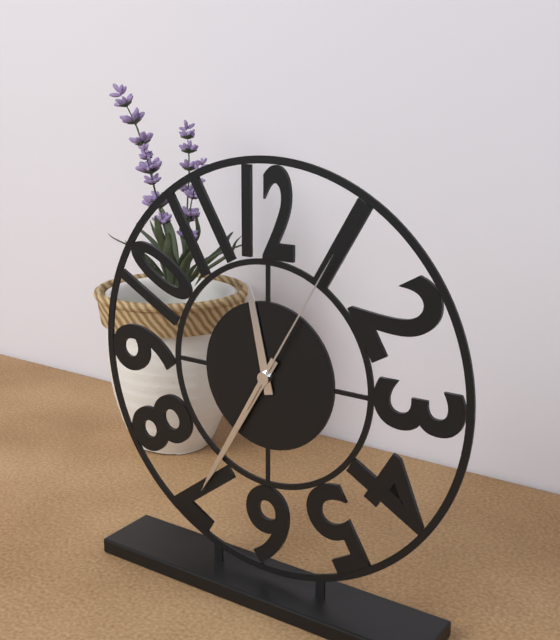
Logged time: 11:35:05
